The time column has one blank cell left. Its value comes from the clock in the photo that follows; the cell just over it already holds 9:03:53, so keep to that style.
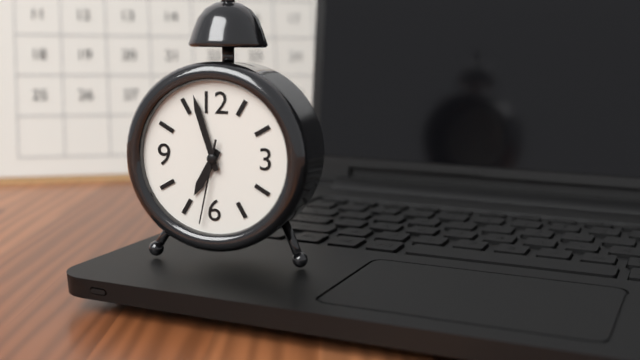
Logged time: 6:57:32
